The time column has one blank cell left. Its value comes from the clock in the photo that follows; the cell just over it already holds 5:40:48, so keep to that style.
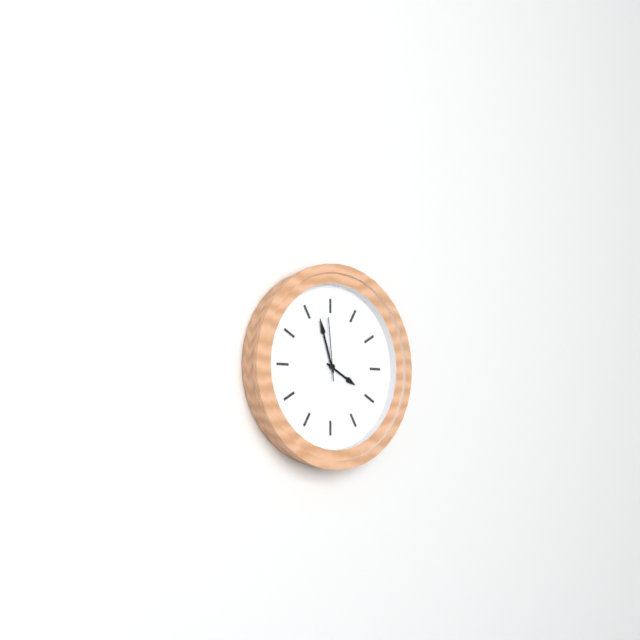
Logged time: 3:57:59
